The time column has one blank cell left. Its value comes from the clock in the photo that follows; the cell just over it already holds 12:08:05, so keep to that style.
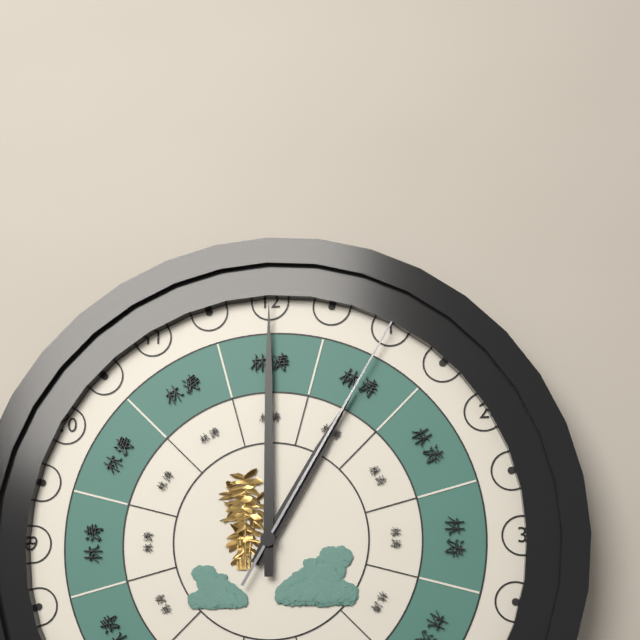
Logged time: 1:00:05
